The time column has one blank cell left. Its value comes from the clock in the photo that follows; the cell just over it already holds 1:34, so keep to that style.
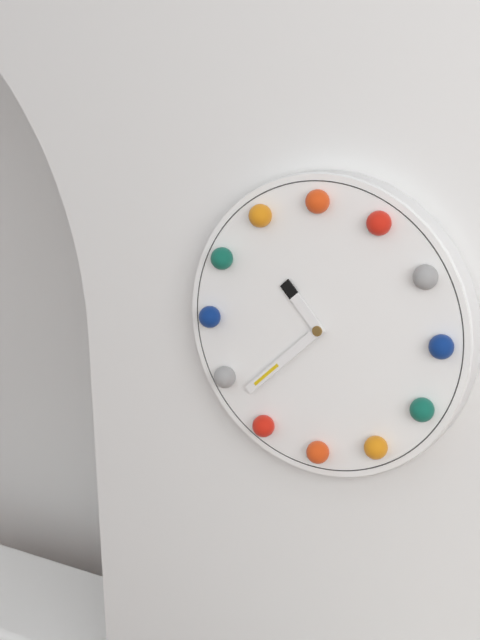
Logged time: 10:38
